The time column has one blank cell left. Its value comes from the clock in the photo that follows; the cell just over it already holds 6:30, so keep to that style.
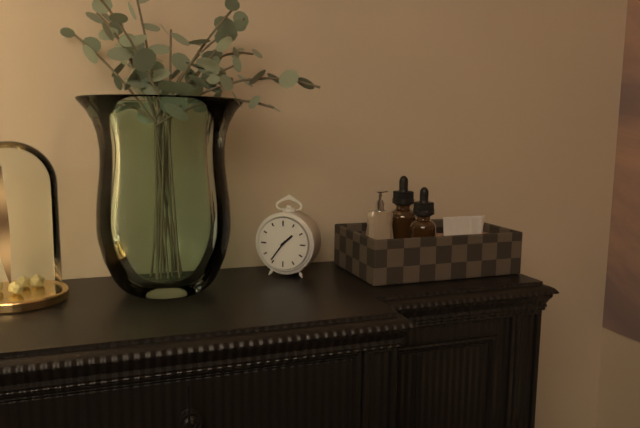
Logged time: 1:36
